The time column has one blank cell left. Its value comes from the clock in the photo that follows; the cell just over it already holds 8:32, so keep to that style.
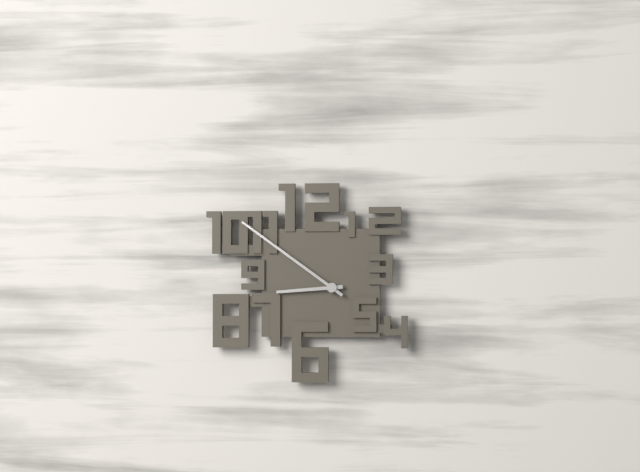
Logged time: 8:51
